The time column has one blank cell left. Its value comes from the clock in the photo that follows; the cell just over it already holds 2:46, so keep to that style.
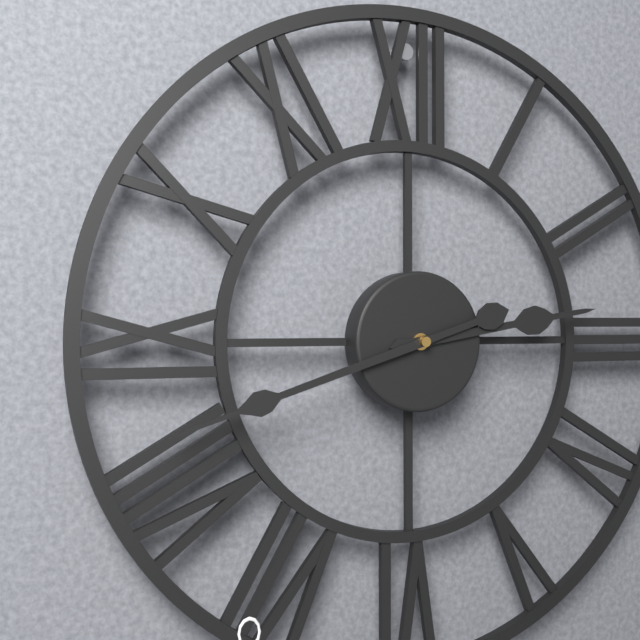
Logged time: 2:42
